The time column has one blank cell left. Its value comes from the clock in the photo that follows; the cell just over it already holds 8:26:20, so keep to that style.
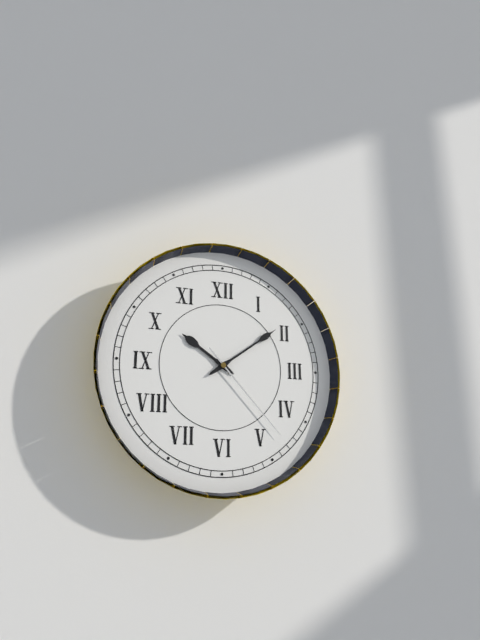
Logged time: 10:09:23
